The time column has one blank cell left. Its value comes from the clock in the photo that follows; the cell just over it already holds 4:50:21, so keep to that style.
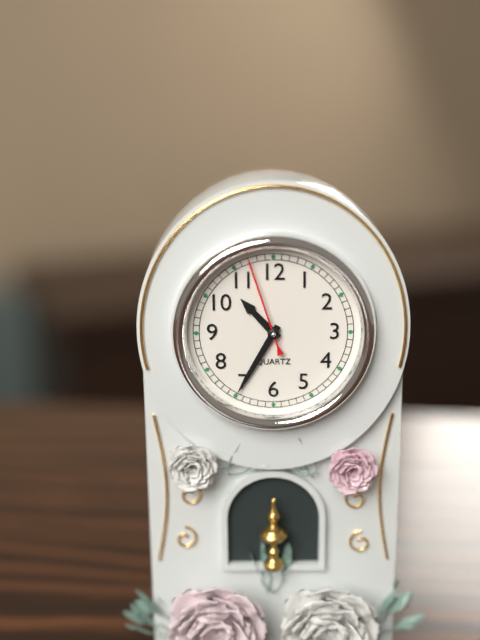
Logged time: 10:35:57
